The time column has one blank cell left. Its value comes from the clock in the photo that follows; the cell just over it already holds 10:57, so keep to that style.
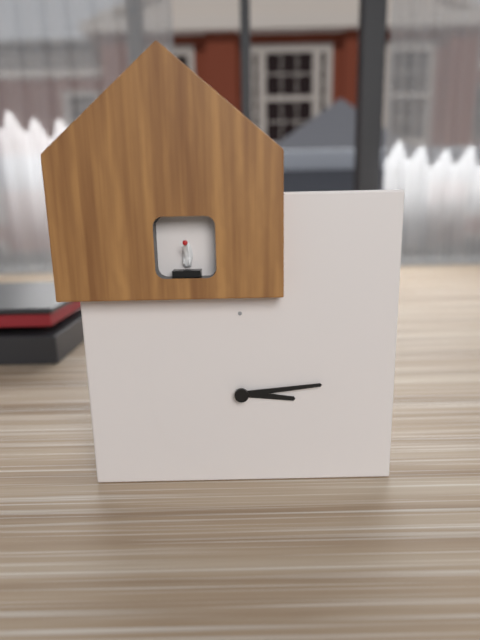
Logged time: 3:14
